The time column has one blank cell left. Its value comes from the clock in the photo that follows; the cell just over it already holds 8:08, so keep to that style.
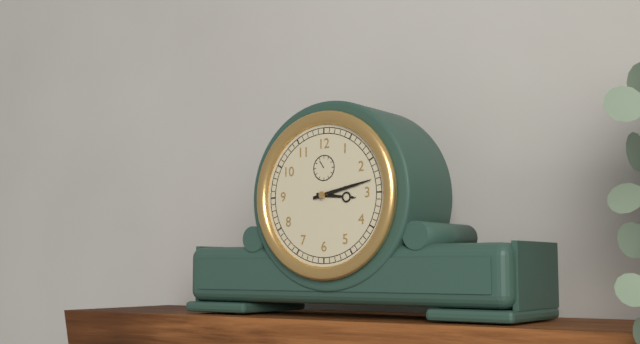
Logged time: 3:13
